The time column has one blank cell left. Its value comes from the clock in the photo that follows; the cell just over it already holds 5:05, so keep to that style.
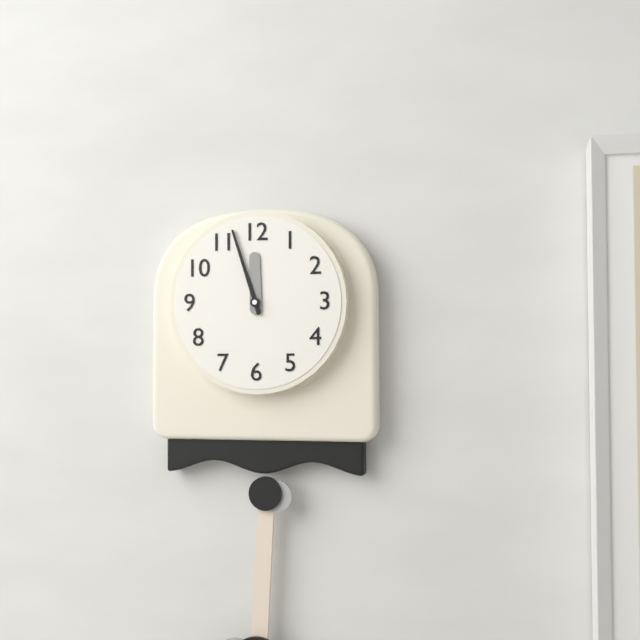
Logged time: 11:57
